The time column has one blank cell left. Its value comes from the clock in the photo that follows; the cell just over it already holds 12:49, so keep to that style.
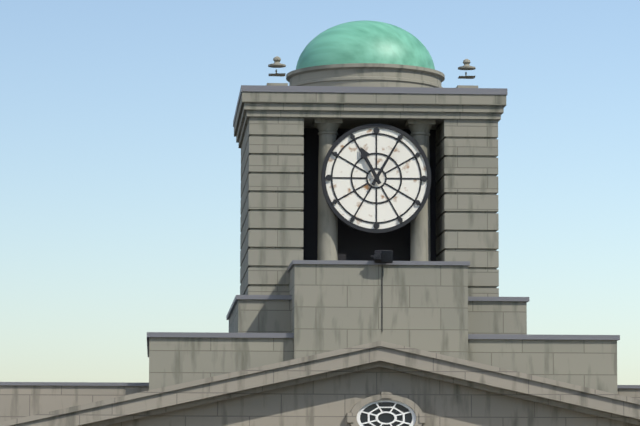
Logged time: 11:05
